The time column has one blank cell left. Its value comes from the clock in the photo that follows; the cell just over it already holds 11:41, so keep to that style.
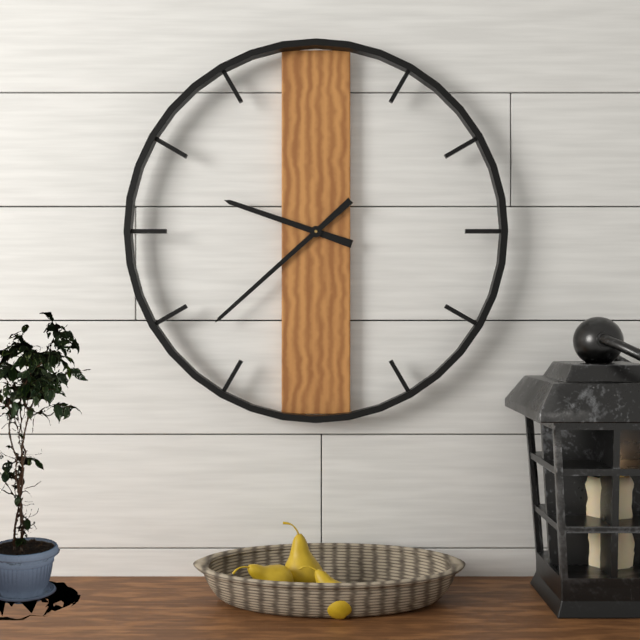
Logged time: 9:38
